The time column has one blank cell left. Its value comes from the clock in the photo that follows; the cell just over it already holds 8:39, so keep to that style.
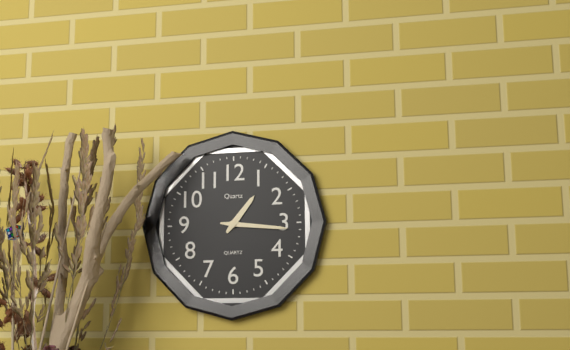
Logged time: 1:16
